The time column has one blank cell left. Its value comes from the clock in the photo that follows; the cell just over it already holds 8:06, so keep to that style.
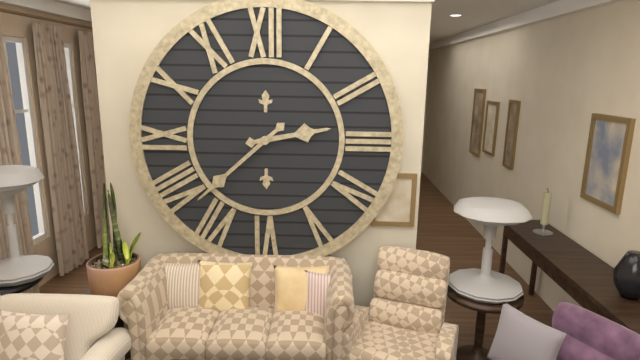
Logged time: 2:38
